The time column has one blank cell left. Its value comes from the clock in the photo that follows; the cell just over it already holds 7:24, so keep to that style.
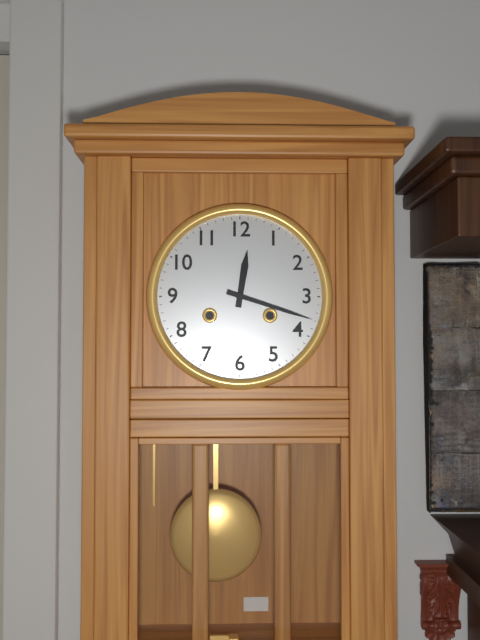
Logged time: 12:18
